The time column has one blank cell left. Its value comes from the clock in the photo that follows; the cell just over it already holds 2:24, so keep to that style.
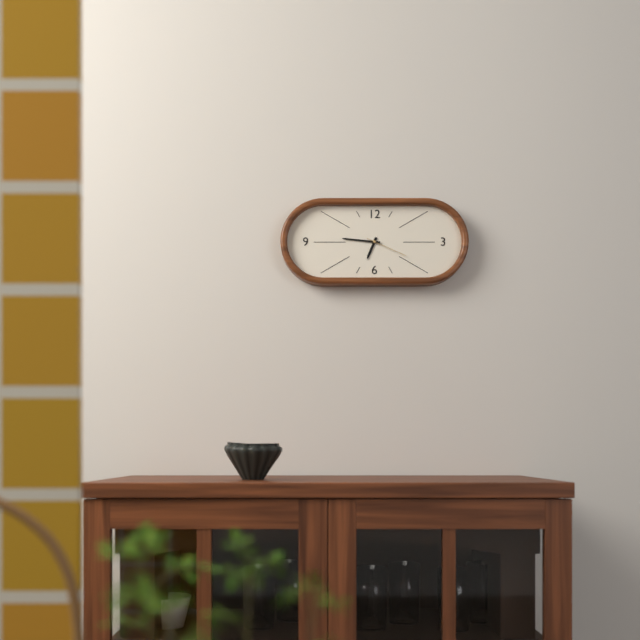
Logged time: 6:46
